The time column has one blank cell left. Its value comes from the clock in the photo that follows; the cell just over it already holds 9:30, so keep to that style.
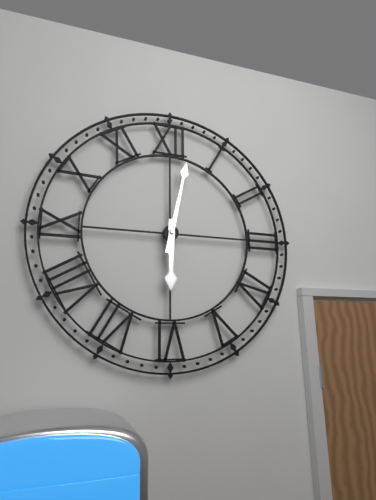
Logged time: 6:02
